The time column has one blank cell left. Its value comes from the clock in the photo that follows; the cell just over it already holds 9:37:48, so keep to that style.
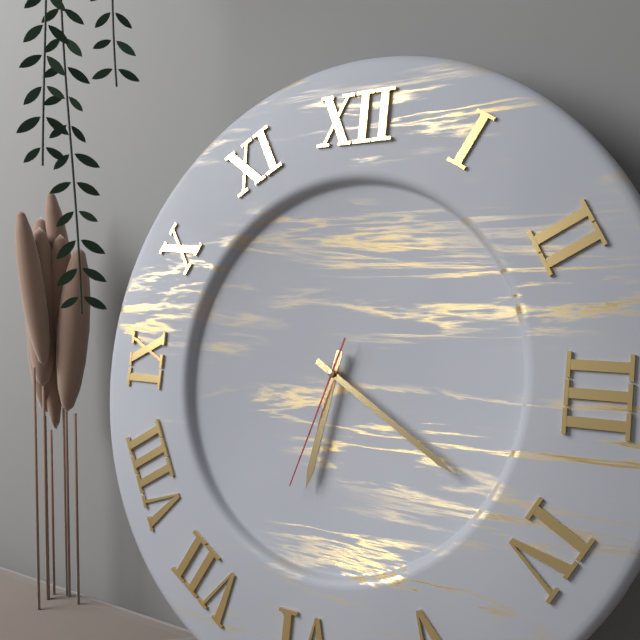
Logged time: 6:20:33
